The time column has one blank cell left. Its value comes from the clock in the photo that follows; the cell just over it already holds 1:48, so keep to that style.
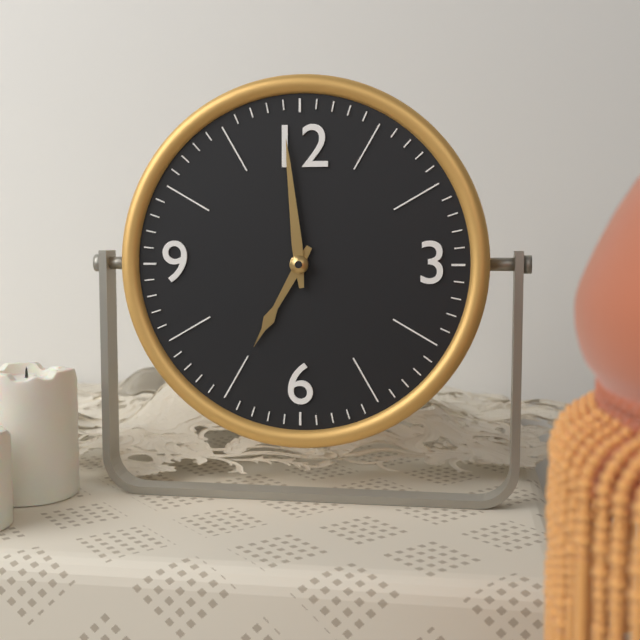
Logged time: 6:59
